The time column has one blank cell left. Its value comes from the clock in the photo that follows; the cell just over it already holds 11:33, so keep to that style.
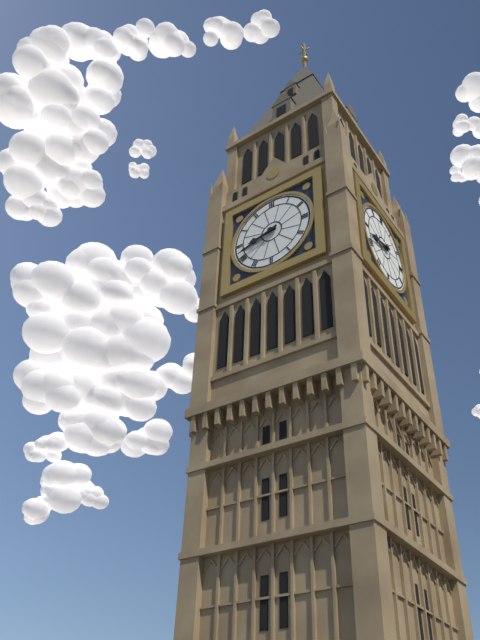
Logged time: 8:42
